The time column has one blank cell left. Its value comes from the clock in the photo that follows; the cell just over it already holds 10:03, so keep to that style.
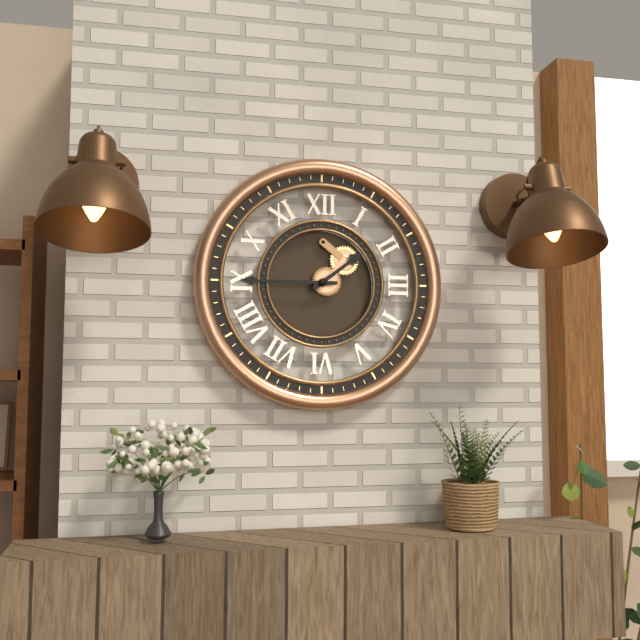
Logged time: 1:45
